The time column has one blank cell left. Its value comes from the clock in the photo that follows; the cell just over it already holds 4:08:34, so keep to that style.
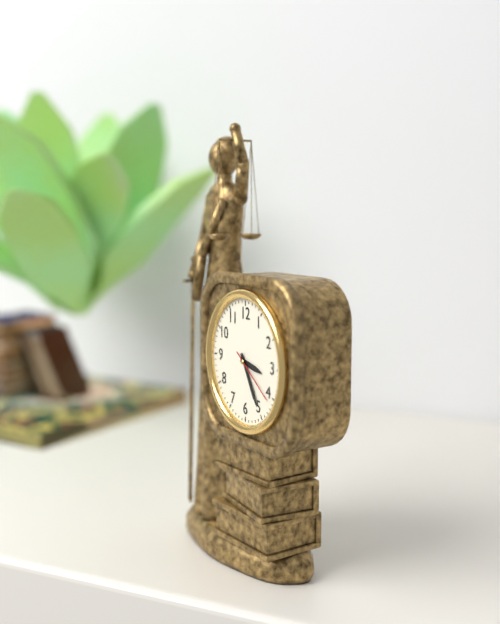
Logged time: 3:25:21
